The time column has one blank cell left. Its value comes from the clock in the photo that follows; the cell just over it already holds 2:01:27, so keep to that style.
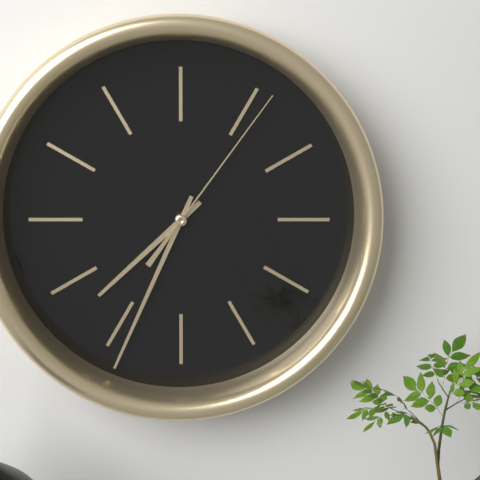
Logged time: 7:34:06
